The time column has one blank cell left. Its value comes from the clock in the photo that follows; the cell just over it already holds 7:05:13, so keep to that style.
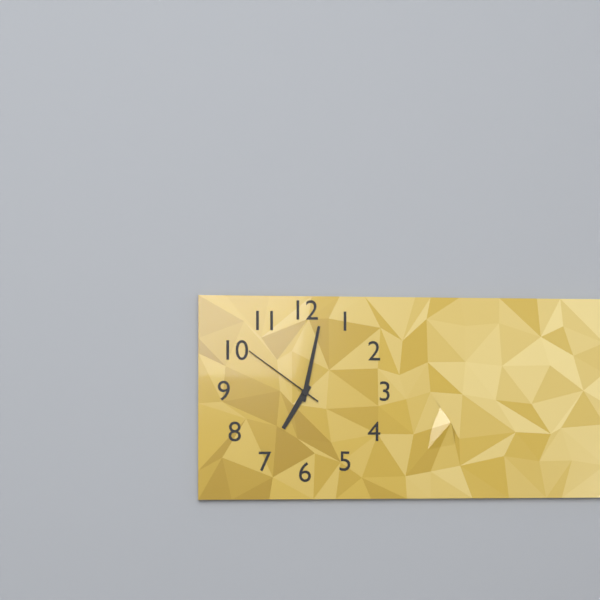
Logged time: 7:02:51
